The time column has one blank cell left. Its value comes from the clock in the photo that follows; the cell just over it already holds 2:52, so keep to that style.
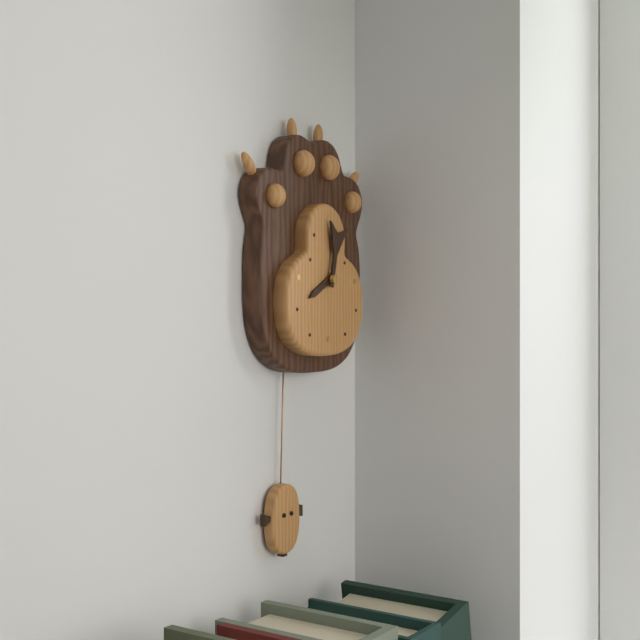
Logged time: 8:02
